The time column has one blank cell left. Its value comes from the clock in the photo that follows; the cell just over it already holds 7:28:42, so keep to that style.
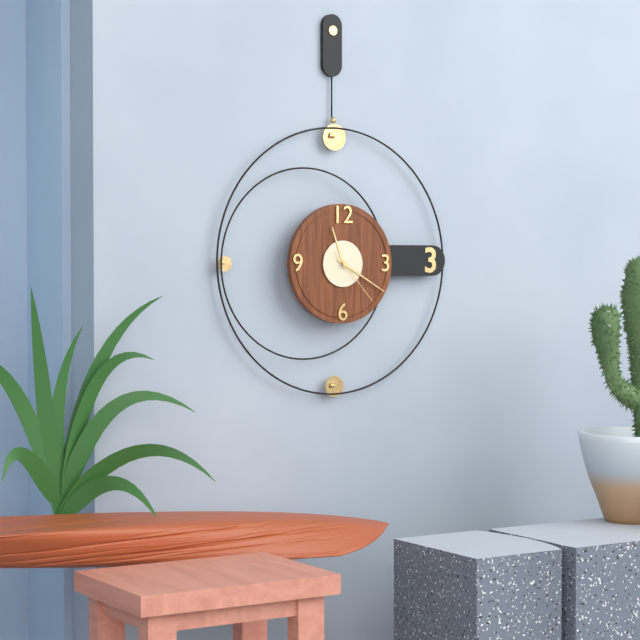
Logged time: 11:20:23
